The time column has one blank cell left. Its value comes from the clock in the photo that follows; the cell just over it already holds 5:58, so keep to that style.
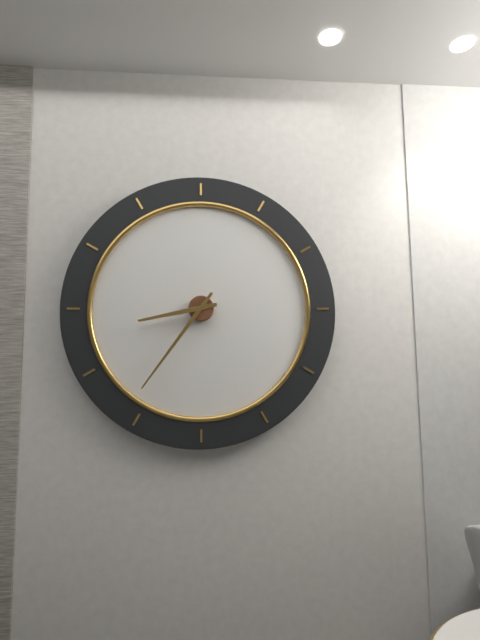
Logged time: 8:36
